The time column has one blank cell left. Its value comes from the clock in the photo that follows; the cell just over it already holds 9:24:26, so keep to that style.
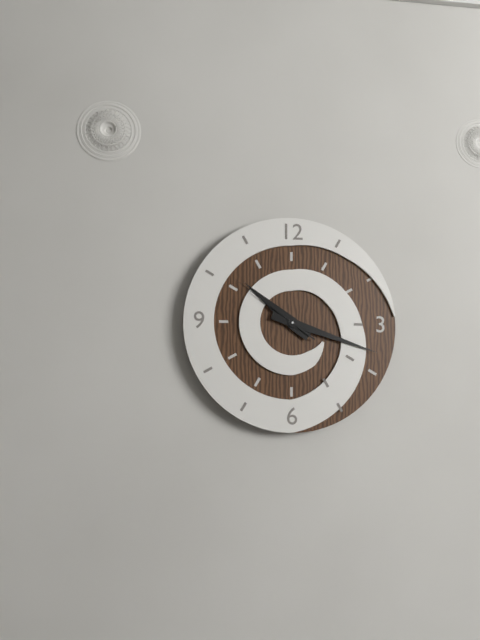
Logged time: 10:18:51
